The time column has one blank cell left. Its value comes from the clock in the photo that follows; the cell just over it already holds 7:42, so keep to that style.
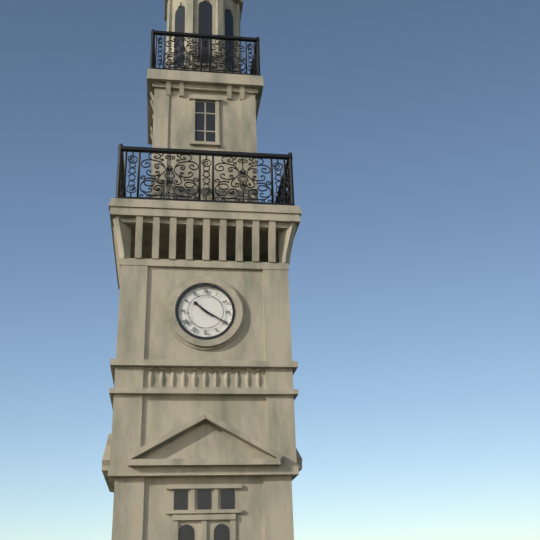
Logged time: 10:20
